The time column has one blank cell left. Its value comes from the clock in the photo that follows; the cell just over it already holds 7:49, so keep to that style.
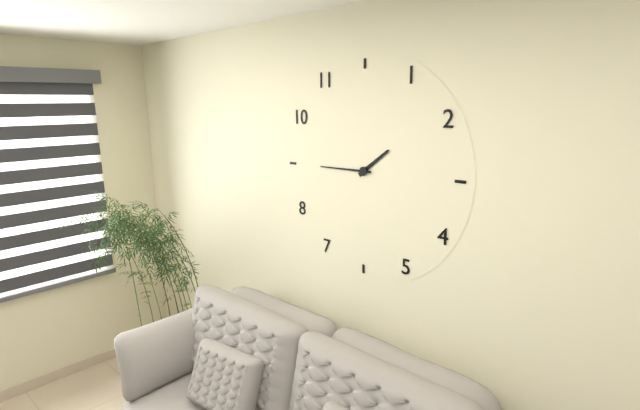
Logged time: 1:45
